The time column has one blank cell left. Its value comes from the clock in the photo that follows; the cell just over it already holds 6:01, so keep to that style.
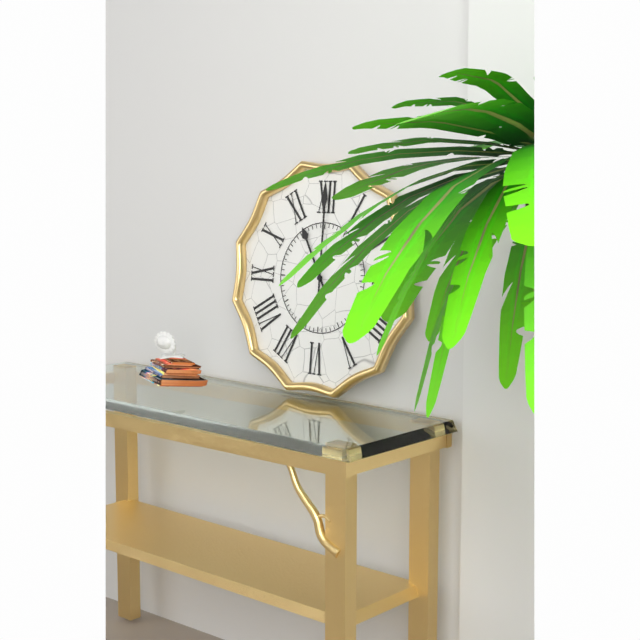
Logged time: 11:00
